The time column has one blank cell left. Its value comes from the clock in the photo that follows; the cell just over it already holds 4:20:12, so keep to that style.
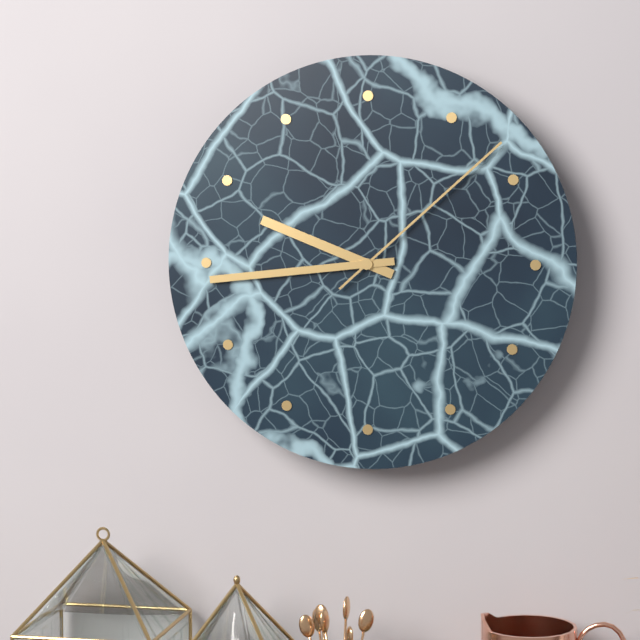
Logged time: 9:44:08
